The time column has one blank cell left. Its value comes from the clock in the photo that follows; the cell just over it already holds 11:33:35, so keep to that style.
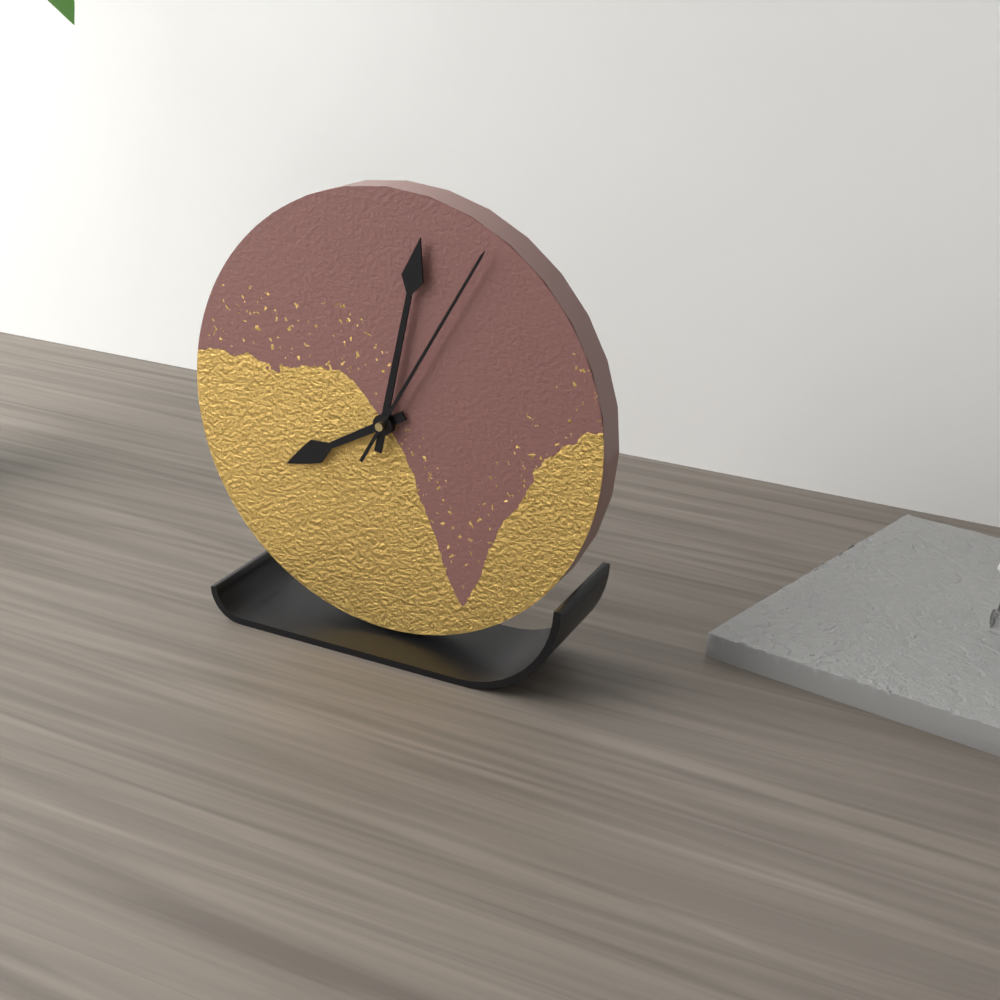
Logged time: 8:02:05
